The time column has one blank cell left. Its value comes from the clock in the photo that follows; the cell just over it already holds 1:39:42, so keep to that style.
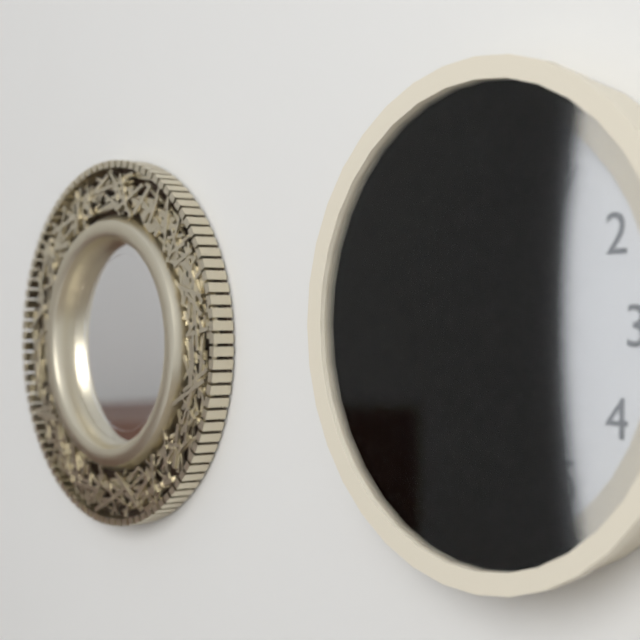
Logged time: 11:26:06
